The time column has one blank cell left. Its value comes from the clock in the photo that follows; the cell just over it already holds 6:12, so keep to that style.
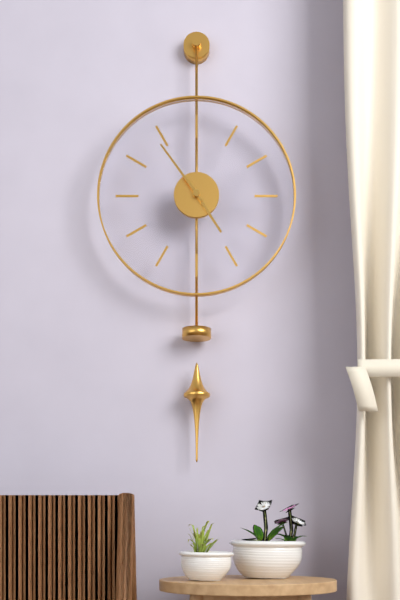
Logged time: 4:54
